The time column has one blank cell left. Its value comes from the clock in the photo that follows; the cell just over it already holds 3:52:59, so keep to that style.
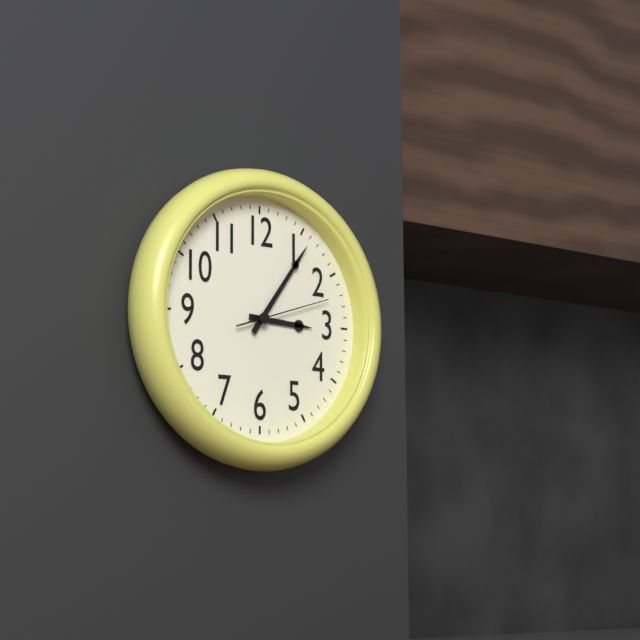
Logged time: 3:06:12
